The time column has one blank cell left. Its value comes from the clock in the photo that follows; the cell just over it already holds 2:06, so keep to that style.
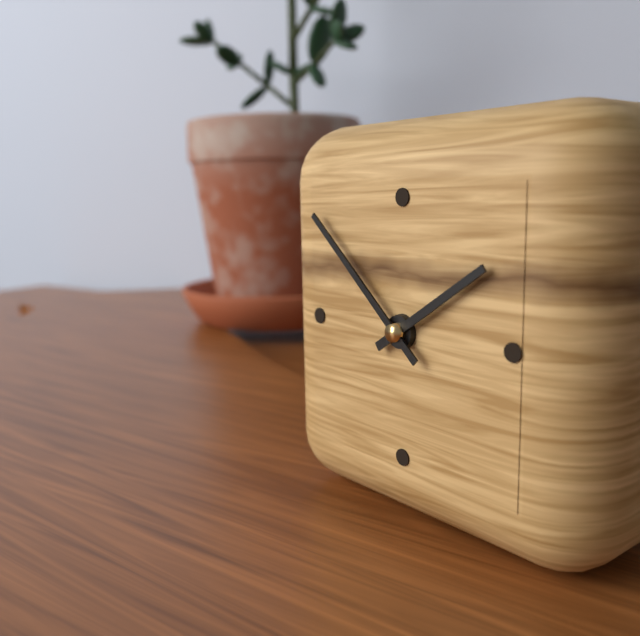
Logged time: 1:52
